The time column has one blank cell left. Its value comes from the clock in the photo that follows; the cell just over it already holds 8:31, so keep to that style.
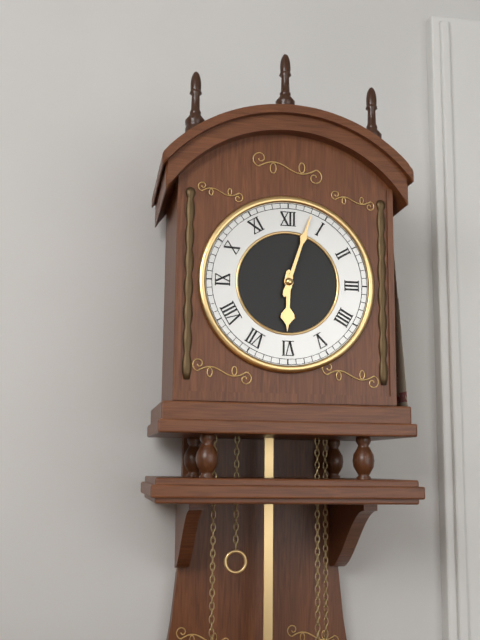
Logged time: 6:03
